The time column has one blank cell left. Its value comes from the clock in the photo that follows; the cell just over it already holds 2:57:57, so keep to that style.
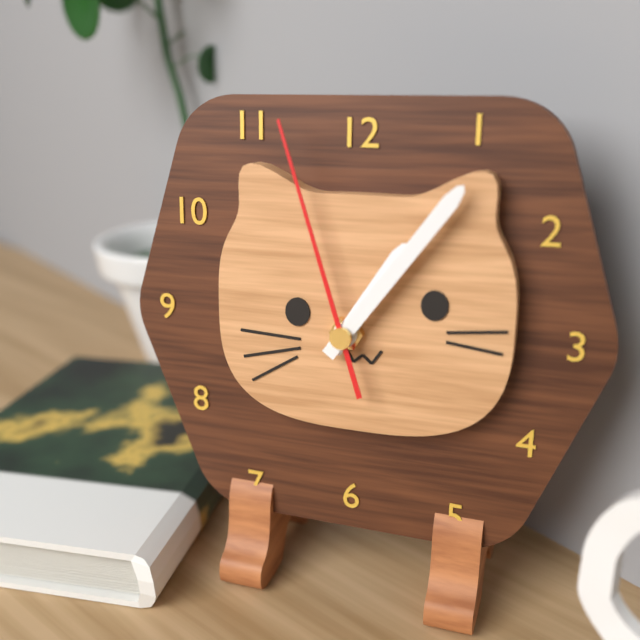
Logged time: 1:06:57
